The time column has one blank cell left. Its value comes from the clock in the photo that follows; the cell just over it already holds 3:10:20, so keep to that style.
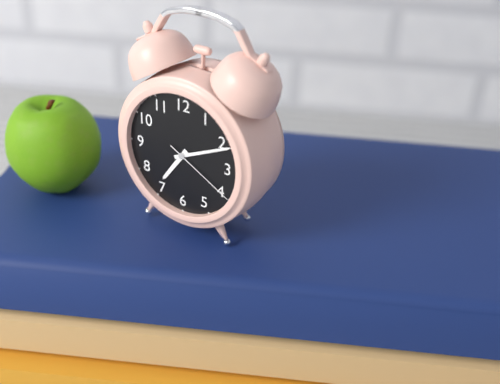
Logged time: 7:11:20
